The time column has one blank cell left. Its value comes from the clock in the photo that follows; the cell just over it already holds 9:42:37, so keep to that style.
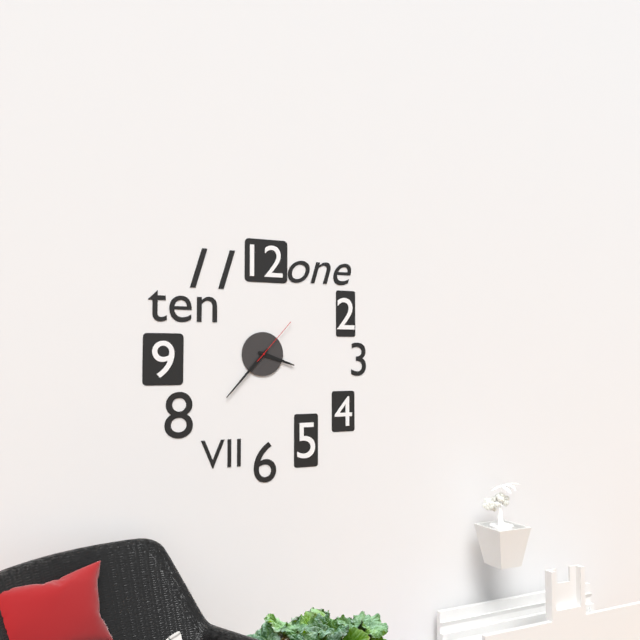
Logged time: 3:37:07
